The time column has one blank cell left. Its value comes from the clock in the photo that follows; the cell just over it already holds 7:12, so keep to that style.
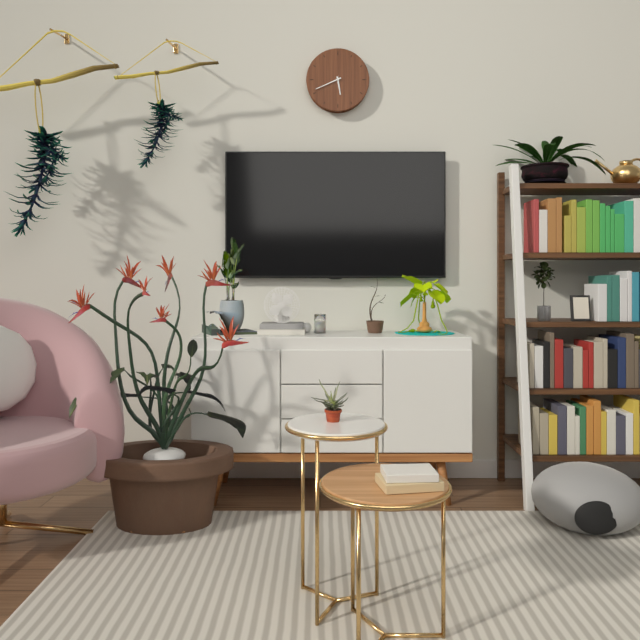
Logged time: 5:41
